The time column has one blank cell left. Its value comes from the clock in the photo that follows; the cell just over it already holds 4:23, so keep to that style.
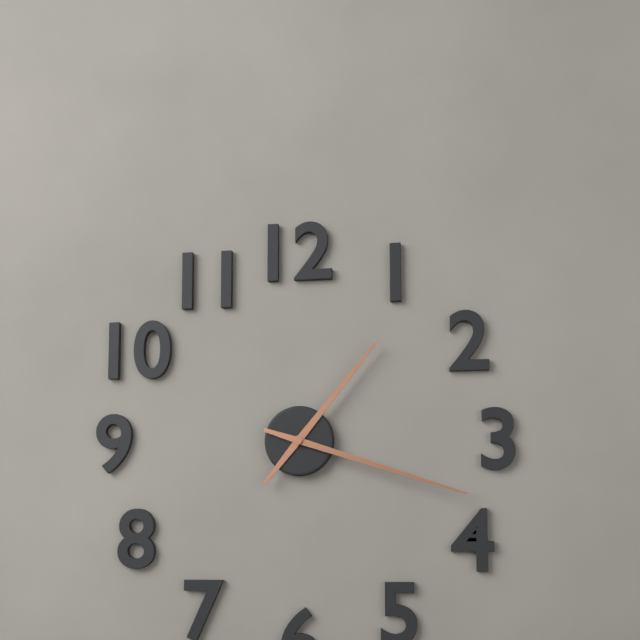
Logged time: 1:18
